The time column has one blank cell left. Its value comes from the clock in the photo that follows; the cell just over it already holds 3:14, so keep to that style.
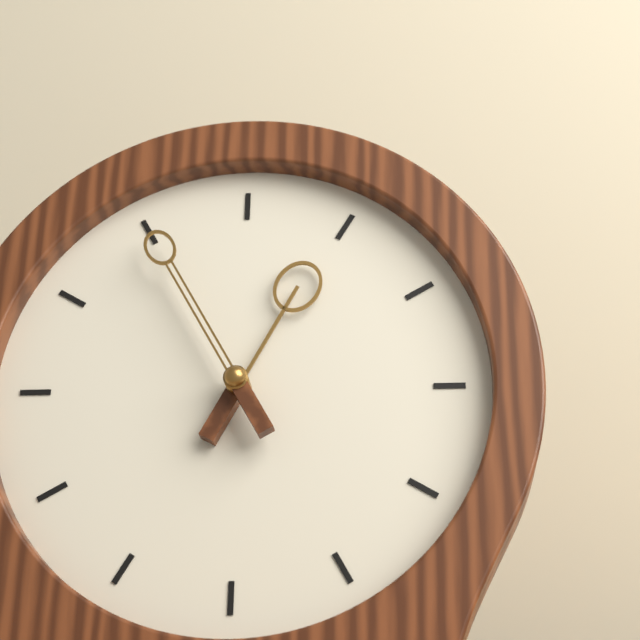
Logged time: 12:55
